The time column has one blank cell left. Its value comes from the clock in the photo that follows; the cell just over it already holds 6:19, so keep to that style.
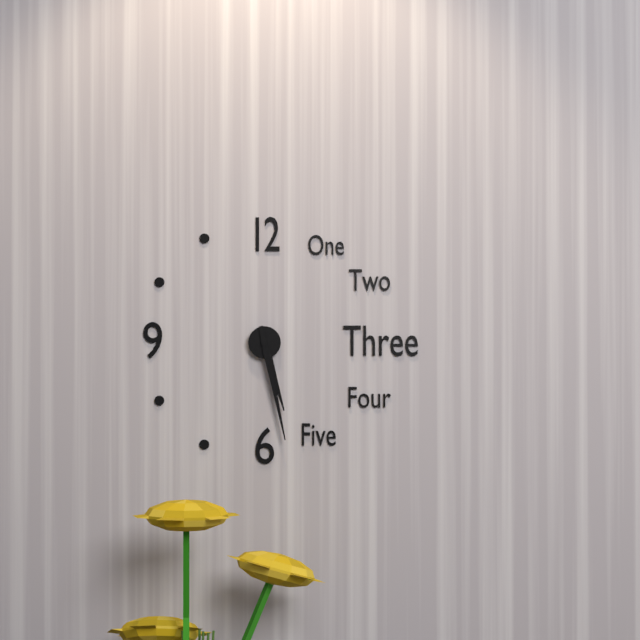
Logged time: 5:28
